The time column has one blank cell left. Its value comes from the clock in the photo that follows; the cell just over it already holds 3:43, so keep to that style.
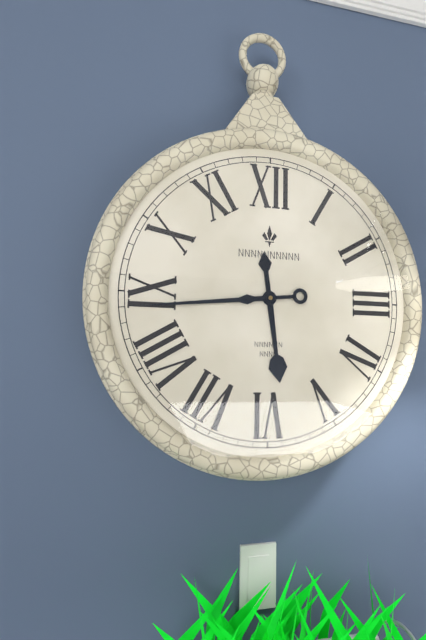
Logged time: 5:44
